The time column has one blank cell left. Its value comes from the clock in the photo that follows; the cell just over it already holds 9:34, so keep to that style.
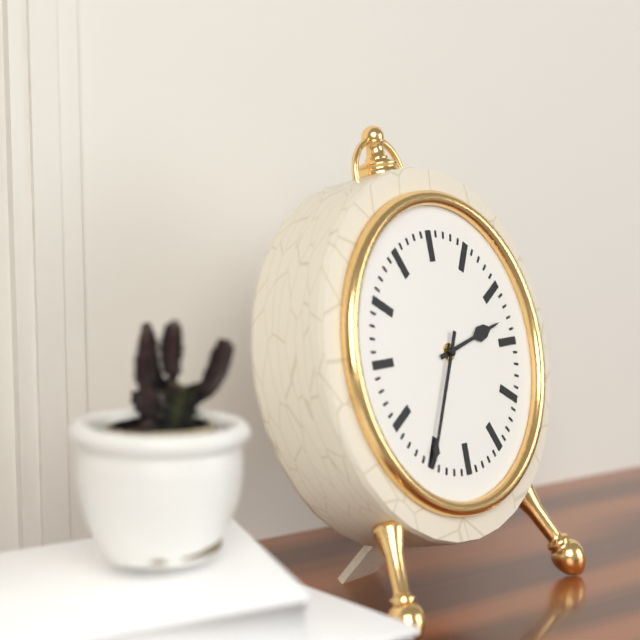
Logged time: 2:35
